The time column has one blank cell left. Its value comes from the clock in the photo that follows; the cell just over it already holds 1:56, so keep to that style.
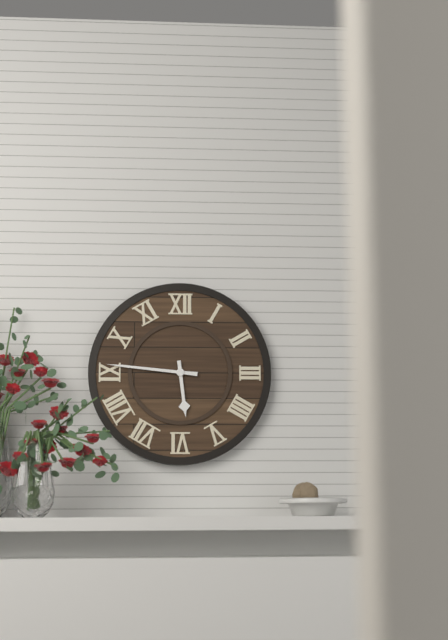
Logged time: 5:46
